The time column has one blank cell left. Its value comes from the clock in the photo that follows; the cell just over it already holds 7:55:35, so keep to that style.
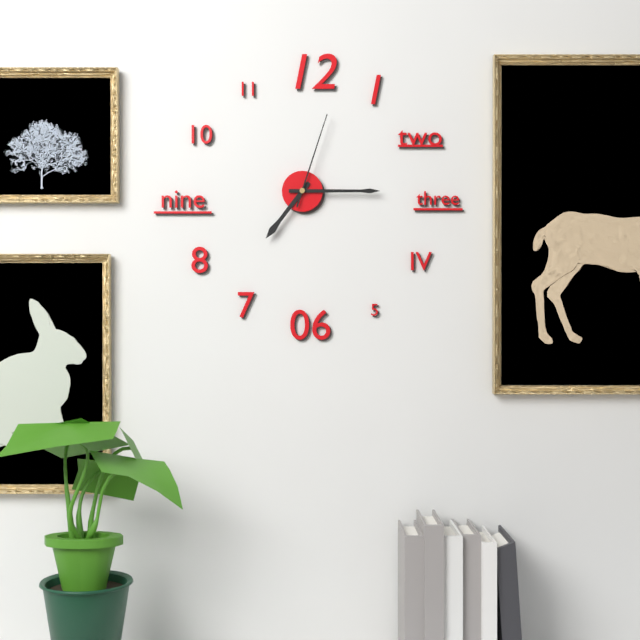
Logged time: 7:15:03
